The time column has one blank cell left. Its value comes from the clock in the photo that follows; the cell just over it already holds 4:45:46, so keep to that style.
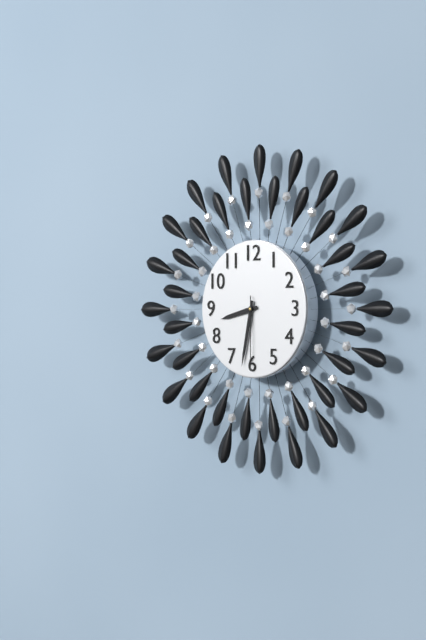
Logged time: 8:32:30
